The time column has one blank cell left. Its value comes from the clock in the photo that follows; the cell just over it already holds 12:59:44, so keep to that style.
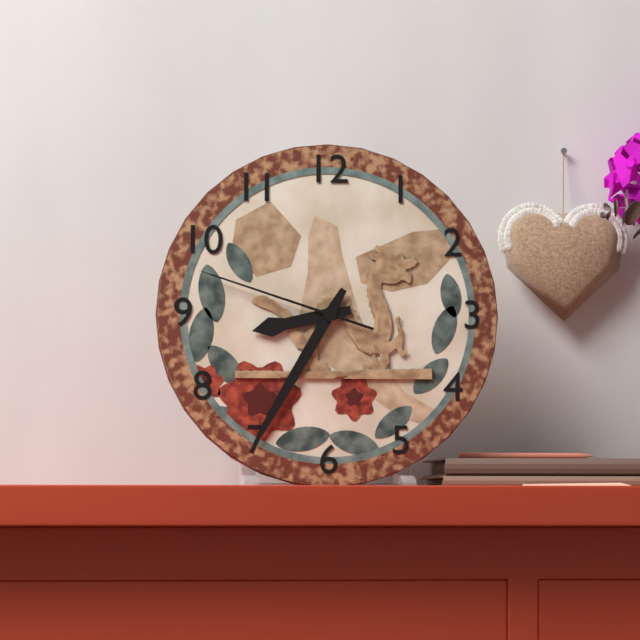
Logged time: 8:35:48
